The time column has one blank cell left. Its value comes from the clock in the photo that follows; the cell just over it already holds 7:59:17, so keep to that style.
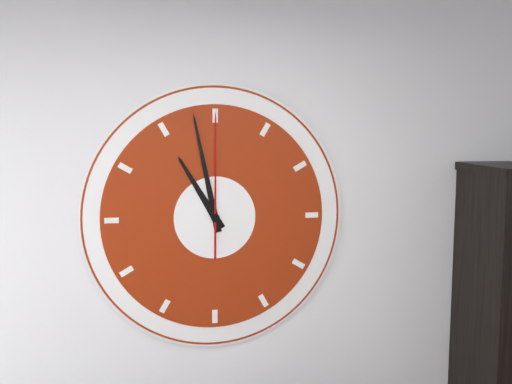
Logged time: 10:58:00
